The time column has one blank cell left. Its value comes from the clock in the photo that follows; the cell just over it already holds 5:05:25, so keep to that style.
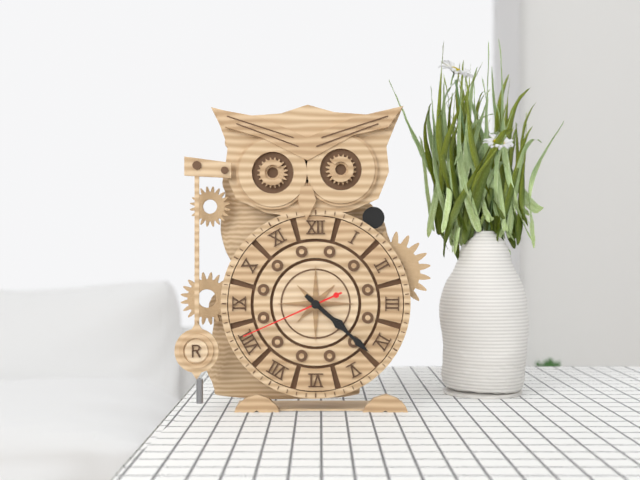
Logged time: 4:22:41
